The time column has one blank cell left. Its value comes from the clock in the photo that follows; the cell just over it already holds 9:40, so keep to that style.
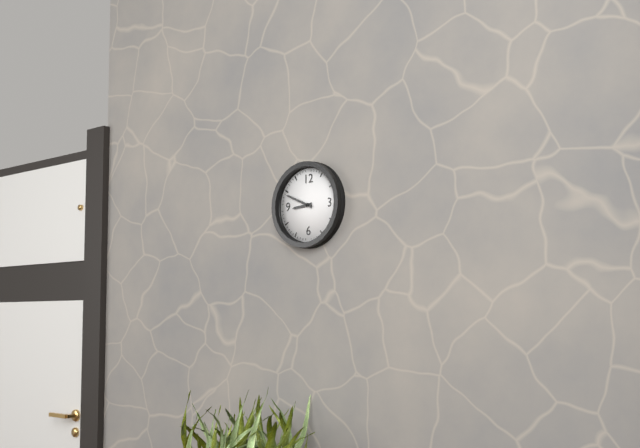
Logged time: 8:49
